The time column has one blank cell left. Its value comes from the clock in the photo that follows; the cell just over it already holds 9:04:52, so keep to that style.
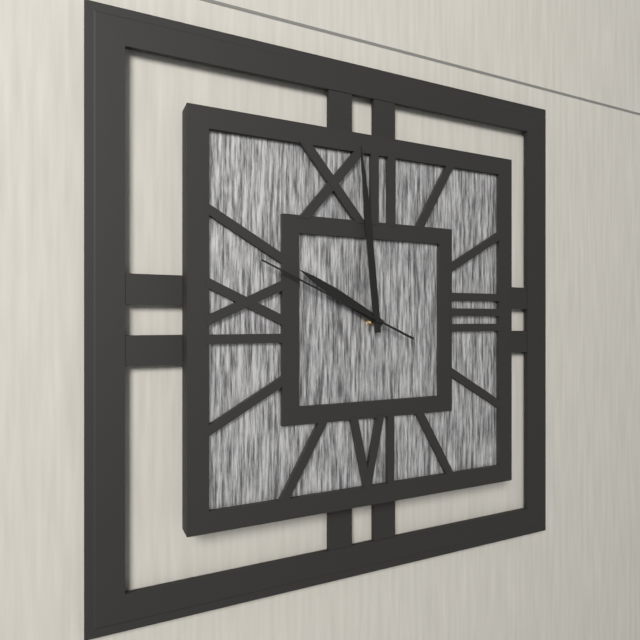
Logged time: 9:59:49
